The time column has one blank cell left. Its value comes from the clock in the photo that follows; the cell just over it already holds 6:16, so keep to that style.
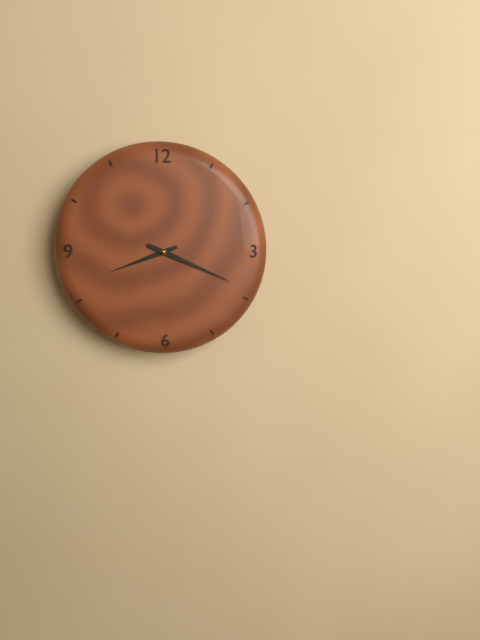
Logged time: 8:19
